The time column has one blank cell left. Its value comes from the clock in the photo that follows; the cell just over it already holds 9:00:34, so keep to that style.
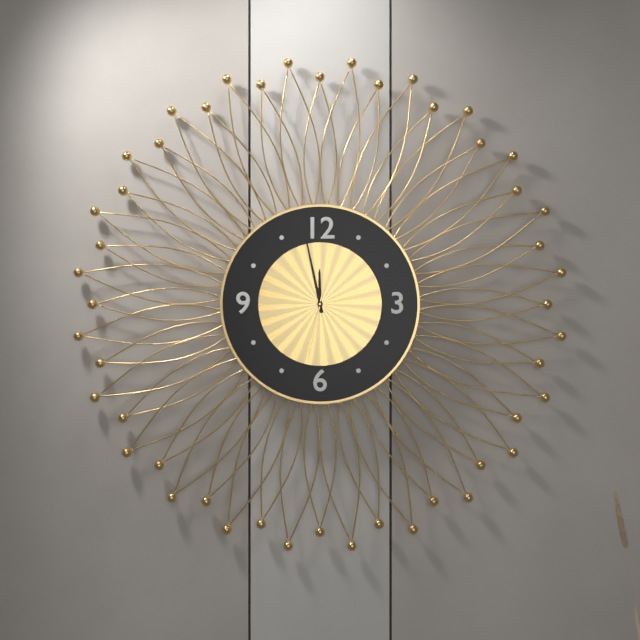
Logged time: 11:58:32
